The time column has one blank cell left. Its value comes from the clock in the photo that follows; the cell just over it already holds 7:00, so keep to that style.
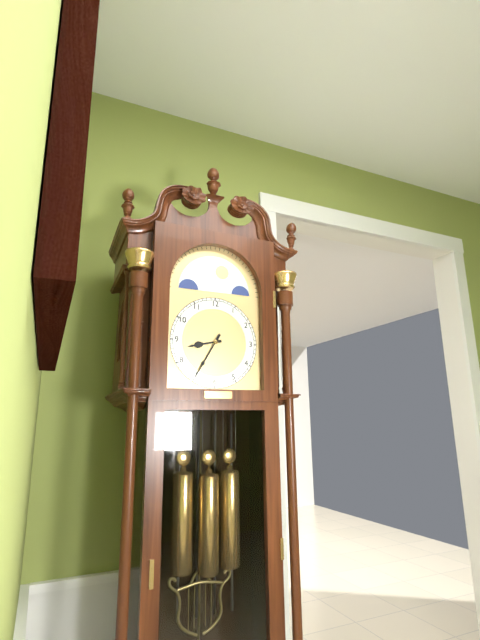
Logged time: 8:35
